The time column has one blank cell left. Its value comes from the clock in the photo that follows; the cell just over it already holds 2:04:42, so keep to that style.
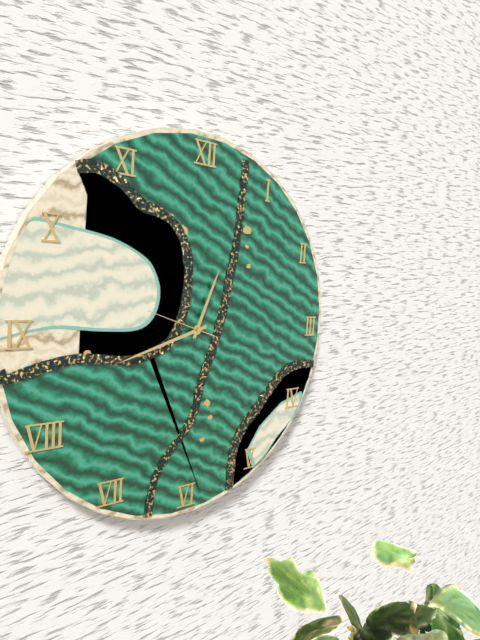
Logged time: 12:42:48
